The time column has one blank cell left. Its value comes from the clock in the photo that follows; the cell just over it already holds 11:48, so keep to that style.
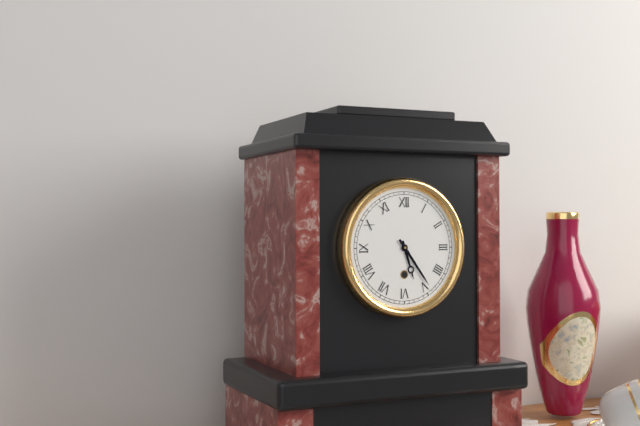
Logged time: 5:24
